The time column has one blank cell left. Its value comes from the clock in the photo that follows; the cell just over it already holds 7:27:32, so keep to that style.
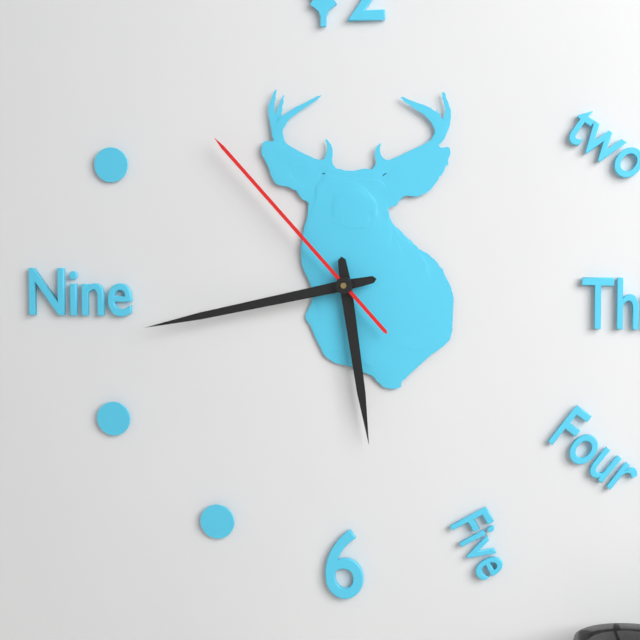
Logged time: 5:43:53
